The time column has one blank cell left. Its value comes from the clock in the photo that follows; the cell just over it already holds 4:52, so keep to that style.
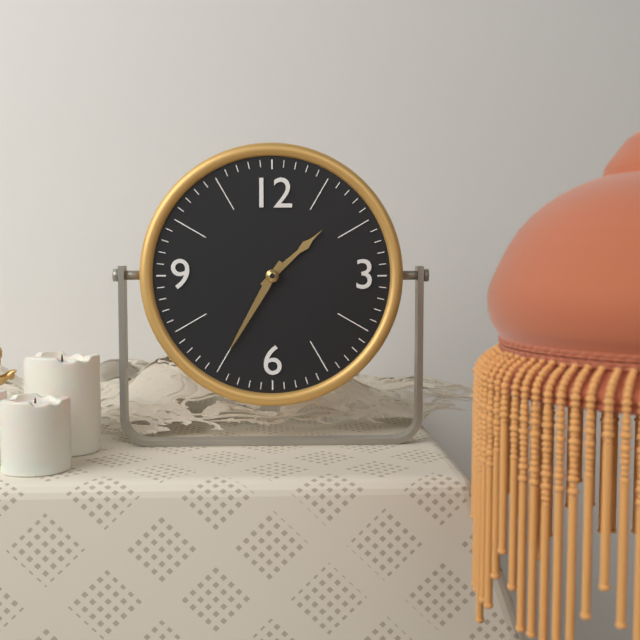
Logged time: 1:35
